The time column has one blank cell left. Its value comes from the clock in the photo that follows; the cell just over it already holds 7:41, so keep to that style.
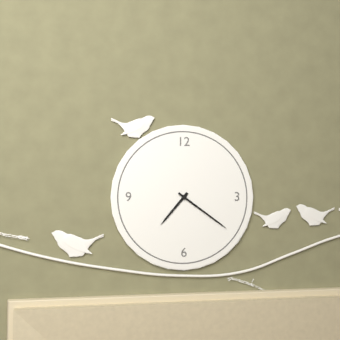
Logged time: 7:21
